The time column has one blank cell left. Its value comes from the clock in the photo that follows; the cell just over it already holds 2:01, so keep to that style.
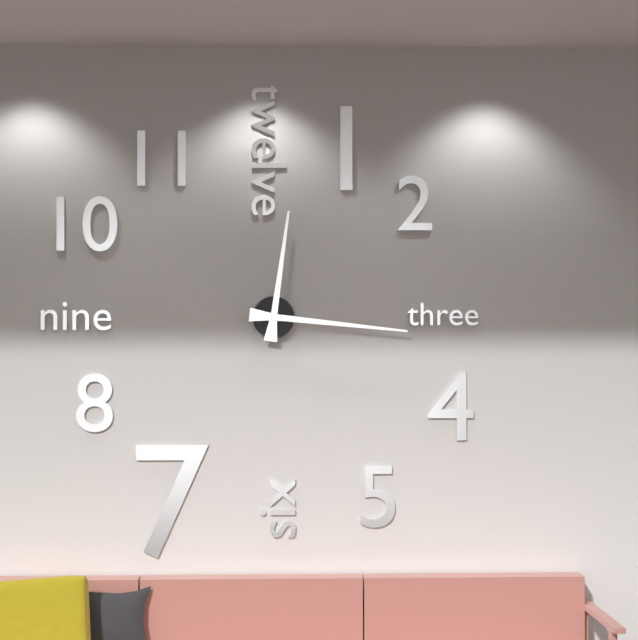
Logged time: 12:16
